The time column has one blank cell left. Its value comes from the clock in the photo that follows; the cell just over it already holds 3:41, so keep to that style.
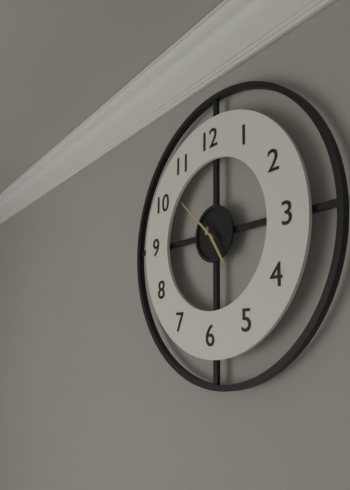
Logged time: 4:52
